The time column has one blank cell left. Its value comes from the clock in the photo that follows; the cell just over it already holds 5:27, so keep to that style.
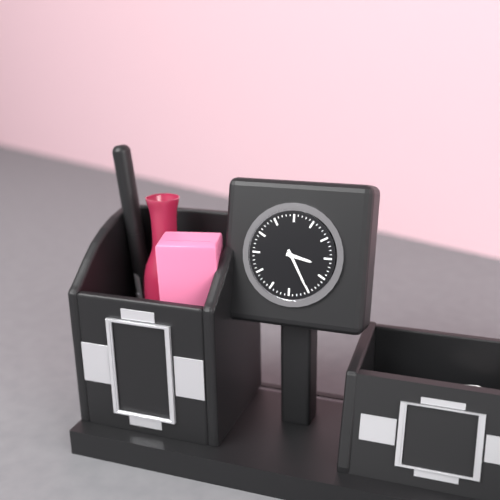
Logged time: 3:25
